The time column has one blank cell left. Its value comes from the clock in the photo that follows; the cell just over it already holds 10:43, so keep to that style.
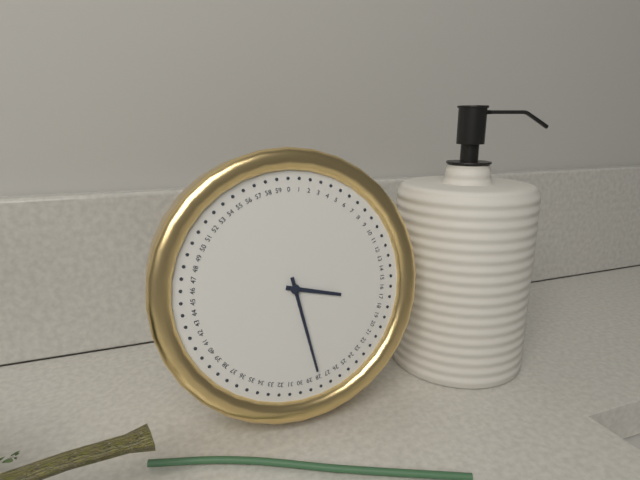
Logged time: 3:28
